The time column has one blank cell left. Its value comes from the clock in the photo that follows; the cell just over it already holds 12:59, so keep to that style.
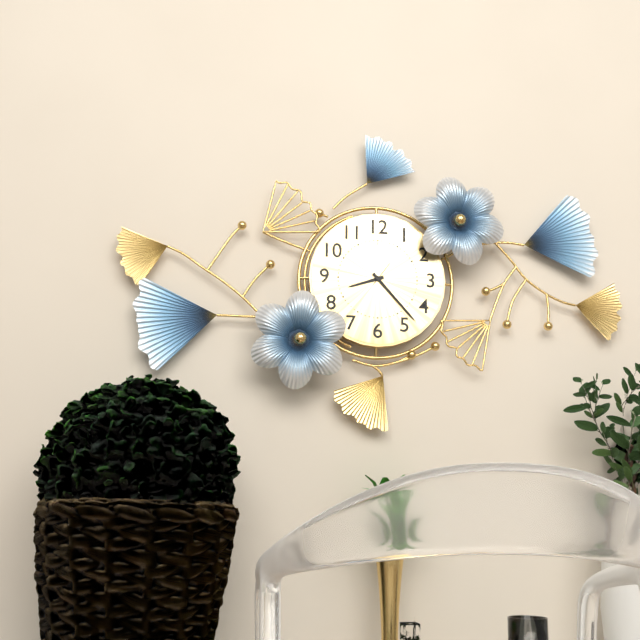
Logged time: 8:23
